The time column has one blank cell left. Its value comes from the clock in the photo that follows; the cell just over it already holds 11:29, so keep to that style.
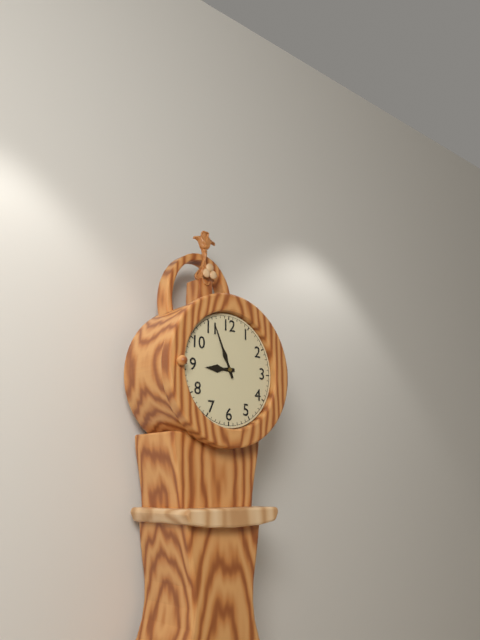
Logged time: 8:56
